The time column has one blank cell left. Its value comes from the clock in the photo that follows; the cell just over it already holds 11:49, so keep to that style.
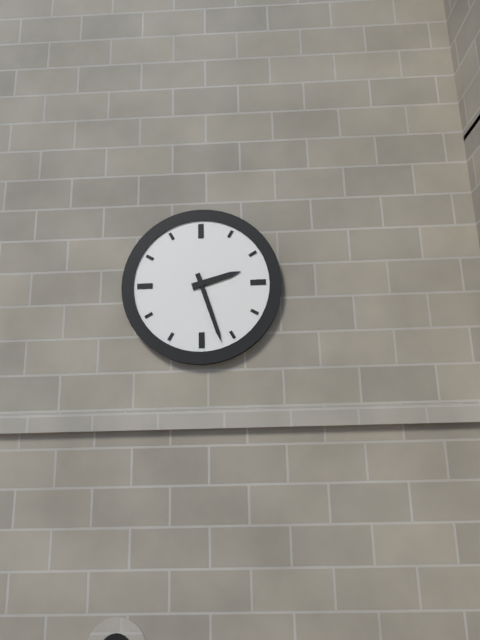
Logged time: 2:27
